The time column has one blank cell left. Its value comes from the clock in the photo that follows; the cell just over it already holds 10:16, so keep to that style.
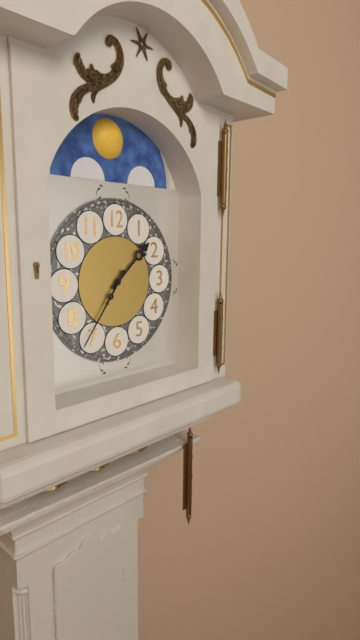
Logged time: 1:36
